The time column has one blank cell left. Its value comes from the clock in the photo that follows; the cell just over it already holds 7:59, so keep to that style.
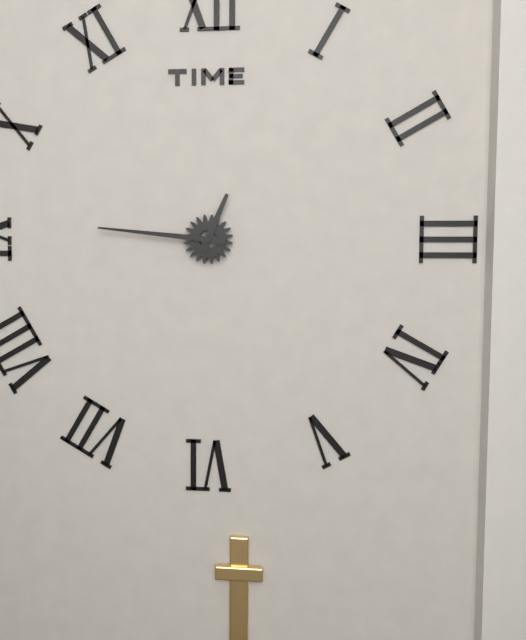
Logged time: 12:46
